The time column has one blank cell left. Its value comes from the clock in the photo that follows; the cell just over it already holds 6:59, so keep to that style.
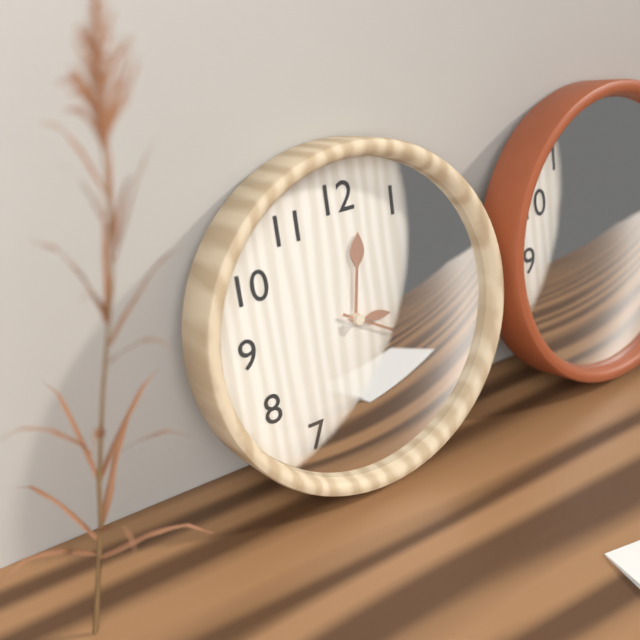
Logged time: 12:20
